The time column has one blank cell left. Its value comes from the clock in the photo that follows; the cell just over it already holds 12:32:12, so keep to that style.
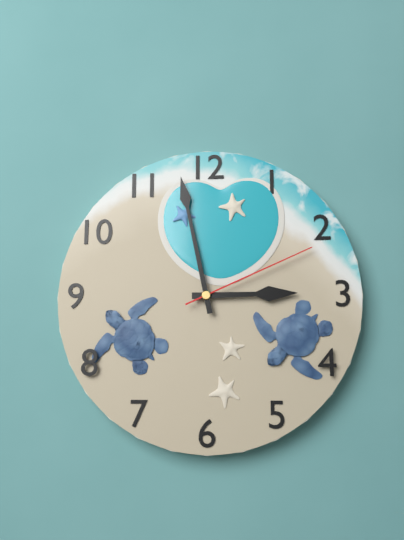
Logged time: 2:58:11
